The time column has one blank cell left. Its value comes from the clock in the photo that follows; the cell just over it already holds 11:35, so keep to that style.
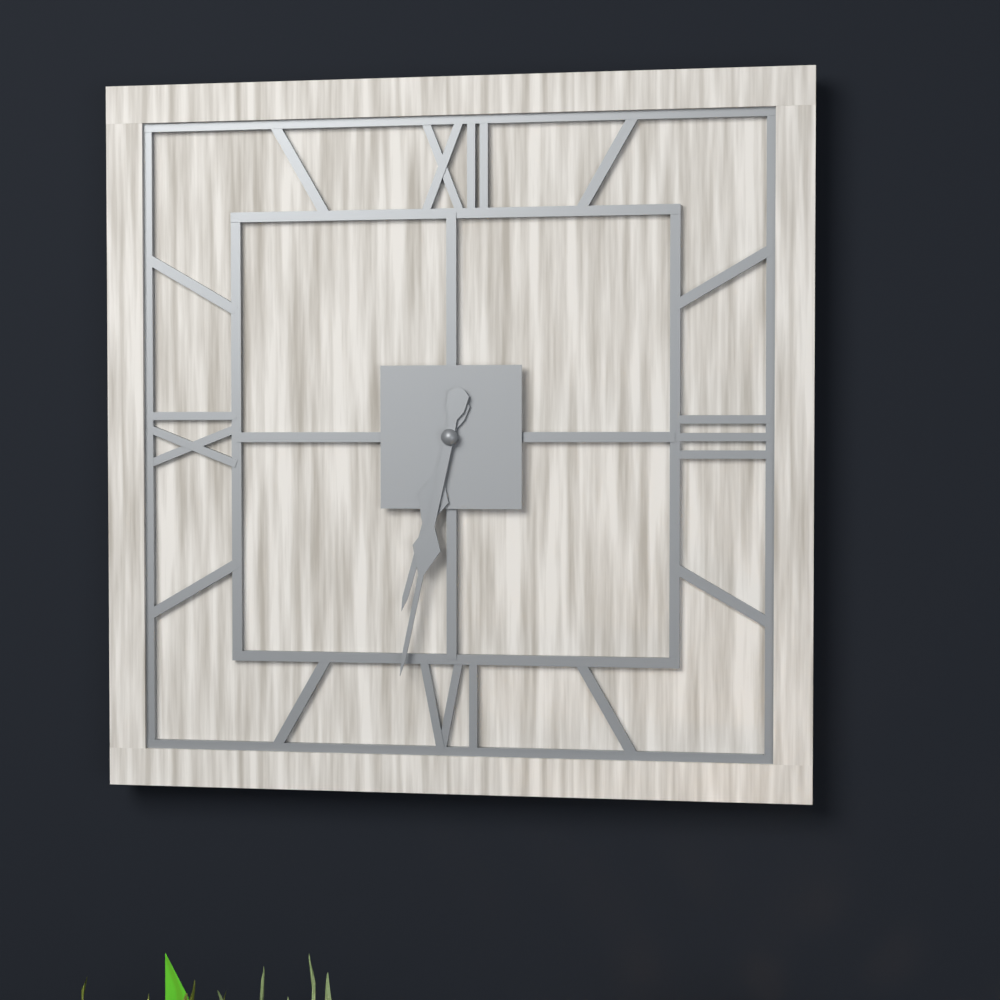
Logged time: 6:32
